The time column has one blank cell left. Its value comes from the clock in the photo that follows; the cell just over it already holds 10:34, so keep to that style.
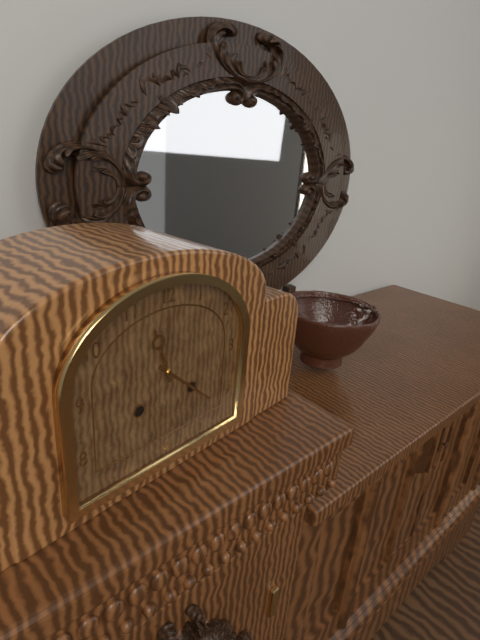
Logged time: 11:22
